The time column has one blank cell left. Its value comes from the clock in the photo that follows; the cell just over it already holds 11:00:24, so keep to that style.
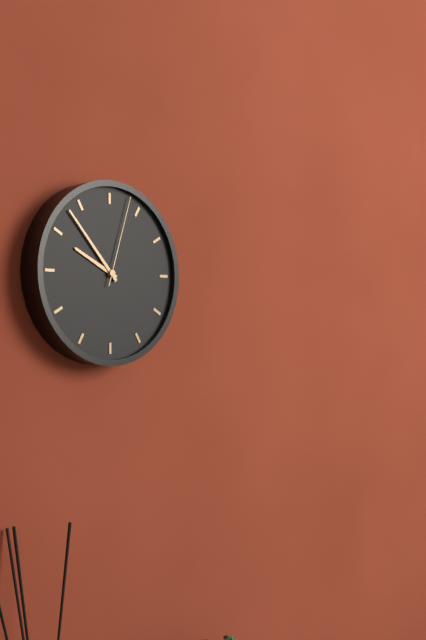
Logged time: 9:53:03
